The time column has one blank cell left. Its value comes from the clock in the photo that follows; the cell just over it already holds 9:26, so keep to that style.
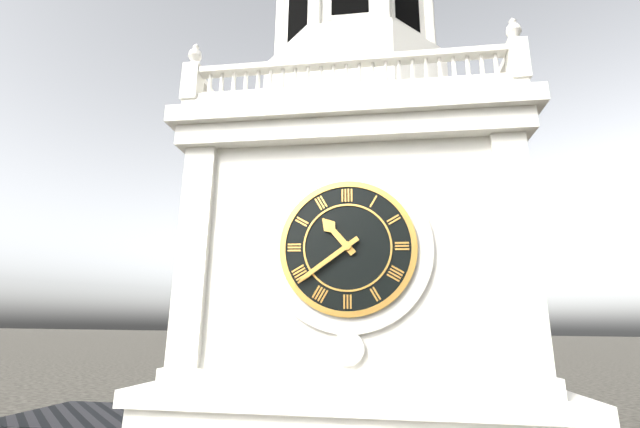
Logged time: 10:39
